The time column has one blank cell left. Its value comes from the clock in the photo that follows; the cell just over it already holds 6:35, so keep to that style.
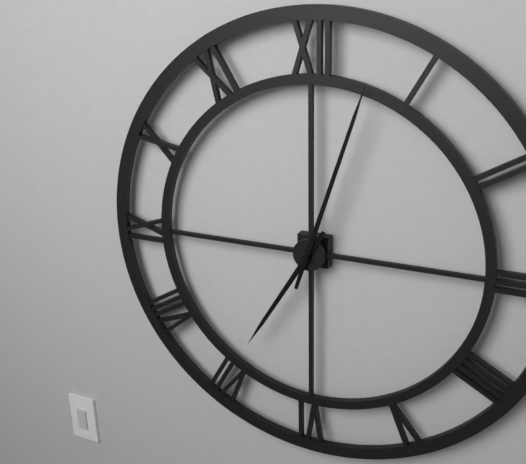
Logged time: 7:03
